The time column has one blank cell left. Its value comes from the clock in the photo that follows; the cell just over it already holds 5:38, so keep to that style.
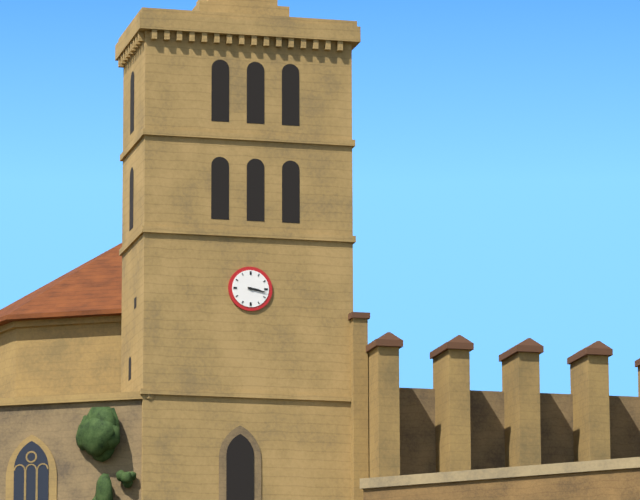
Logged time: 3:17
